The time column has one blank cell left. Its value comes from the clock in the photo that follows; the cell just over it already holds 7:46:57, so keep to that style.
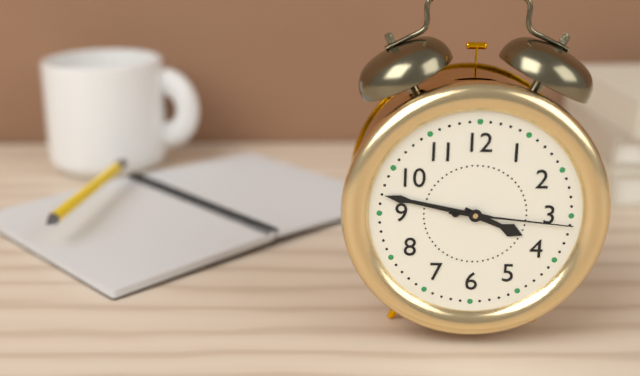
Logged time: 3:47:16
